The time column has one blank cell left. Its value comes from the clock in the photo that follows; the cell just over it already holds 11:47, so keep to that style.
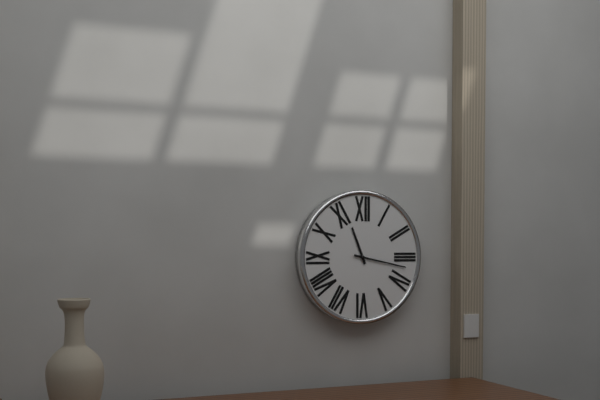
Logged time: 11:17
